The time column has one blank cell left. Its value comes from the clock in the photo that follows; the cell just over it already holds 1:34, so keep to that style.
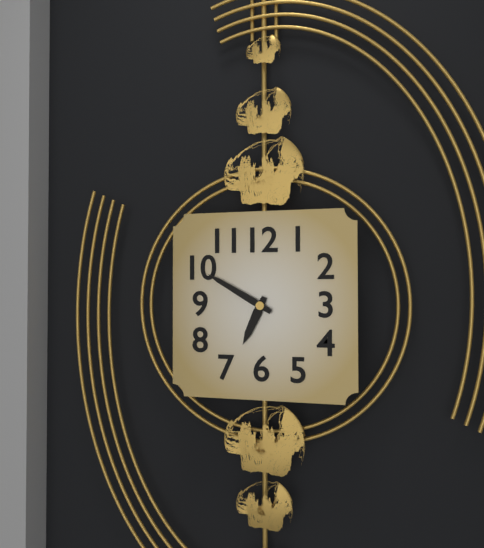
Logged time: 6:50
